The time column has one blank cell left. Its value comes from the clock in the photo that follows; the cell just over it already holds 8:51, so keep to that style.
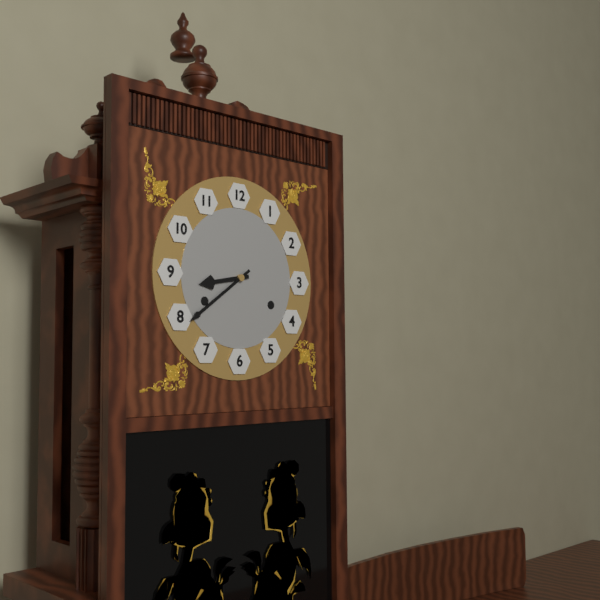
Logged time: 8:39
